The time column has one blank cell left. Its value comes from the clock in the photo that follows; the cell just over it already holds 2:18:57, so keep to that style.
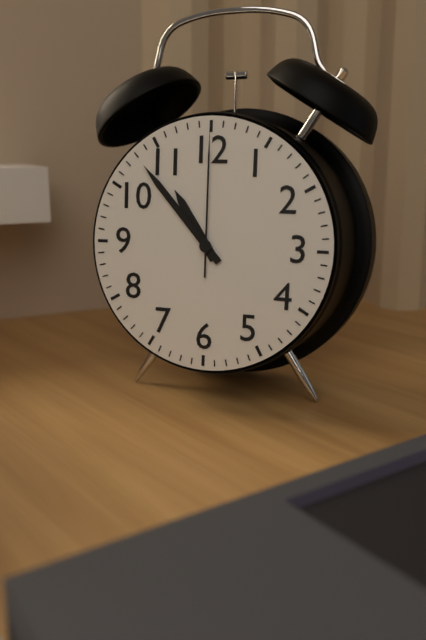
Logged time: 10:53:00
